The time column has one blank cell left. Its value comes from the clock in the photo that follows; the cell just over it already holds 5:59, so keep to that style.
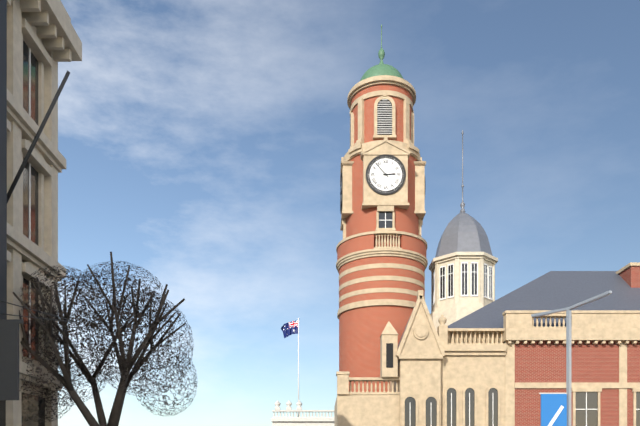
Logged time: 2:53
